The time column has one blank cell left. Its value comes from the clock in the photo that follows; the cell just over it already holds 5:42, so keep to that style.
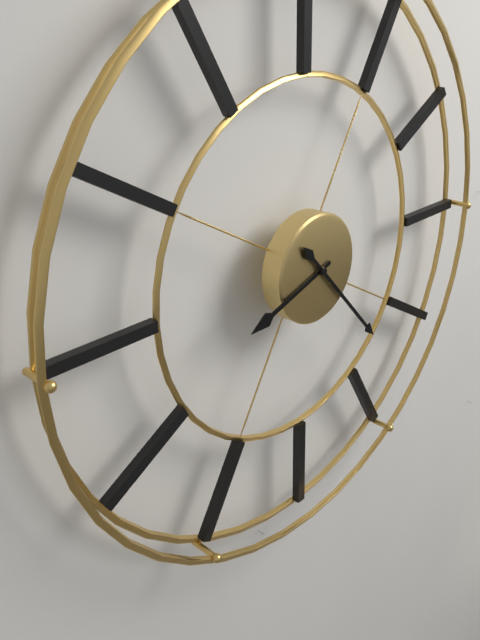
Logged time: 8:23
